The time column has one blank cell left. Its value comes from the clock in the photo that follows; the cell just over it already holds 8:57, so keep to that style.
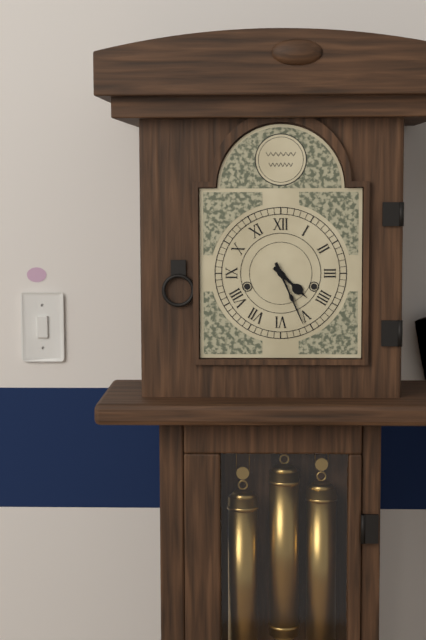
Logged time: 4:26
